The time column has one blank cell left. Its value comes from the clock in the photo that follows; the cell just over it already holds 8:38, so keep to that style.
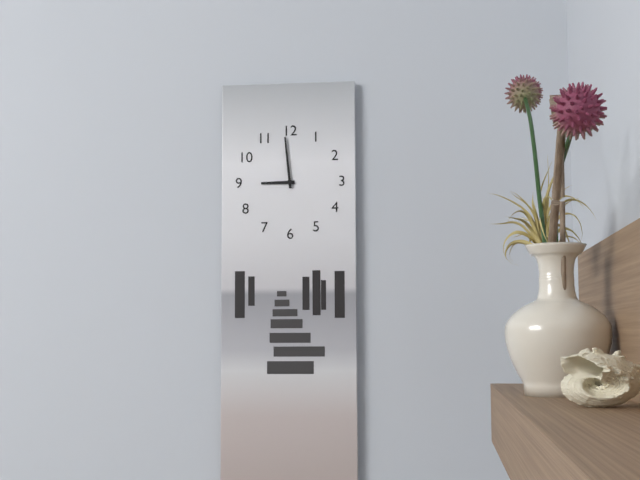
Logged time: 8:59
